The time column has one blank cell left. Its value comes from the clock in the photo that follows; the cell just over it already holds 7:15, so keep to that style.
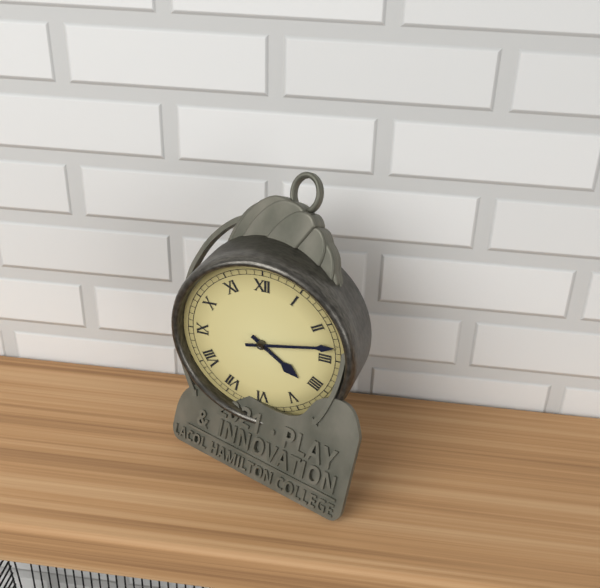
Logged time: 4:13
